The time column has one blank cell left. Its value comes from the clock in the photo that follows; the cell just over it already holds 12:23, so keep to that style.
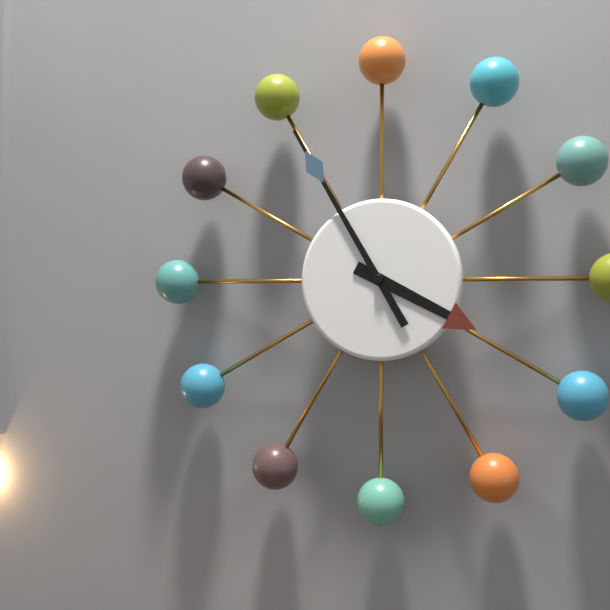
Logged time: 3:55
